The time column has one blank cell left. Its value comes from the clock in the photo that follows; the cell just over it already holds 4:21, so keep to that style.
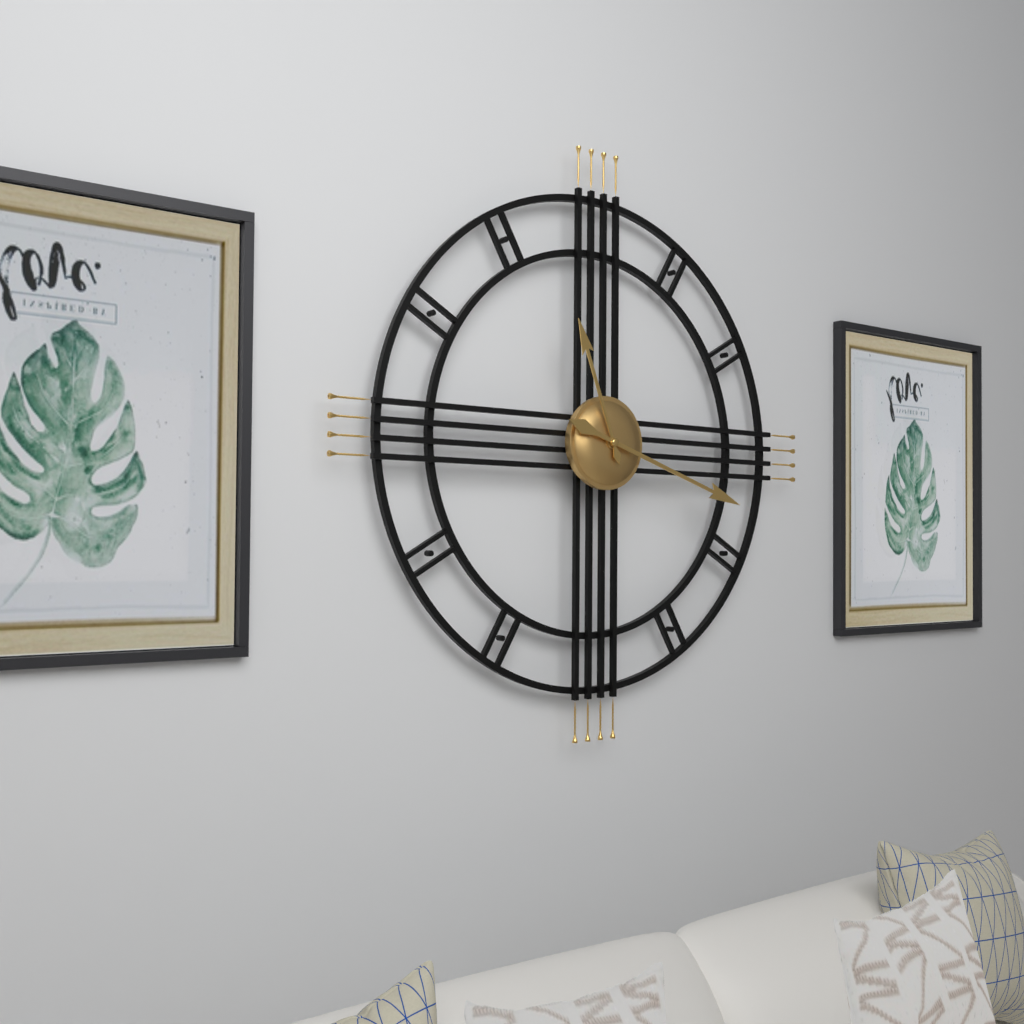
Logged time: 11:18
